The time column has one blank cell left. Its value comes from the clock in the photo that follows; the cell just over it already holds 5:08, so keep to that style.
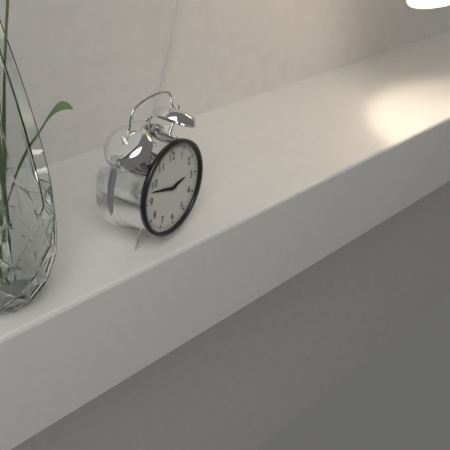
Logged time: 2:48
